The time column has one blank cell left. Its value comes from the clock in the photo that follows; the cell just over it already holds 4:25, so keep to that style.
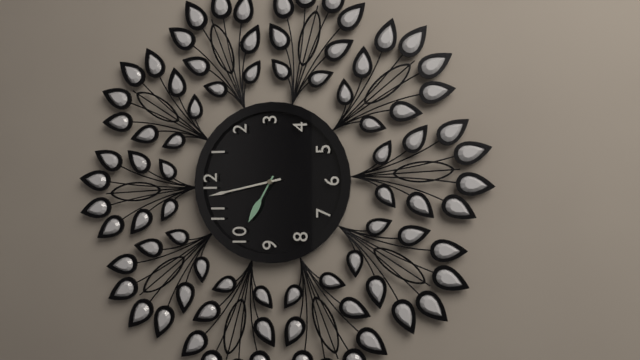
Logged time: 9:58
